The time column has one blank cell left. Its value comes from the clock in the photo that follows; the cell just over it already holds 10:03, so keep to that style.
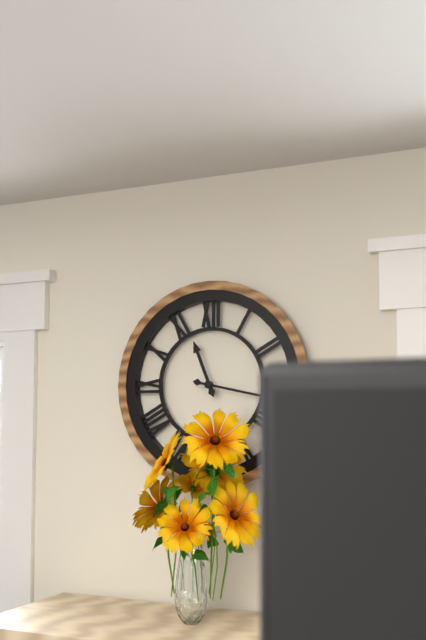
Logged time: 11:17
